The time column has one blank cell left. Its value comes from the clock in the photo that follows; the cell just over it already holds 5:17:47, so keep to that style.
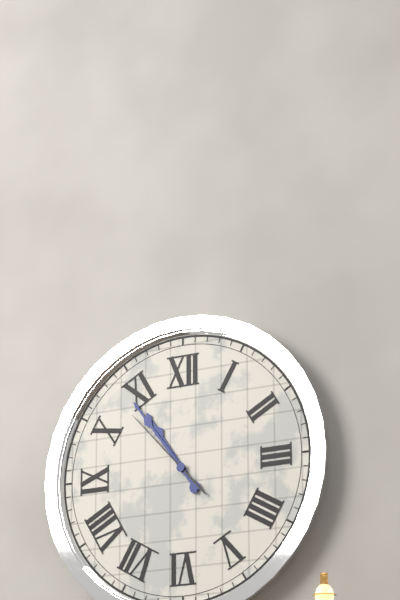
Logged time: 10:54:53
